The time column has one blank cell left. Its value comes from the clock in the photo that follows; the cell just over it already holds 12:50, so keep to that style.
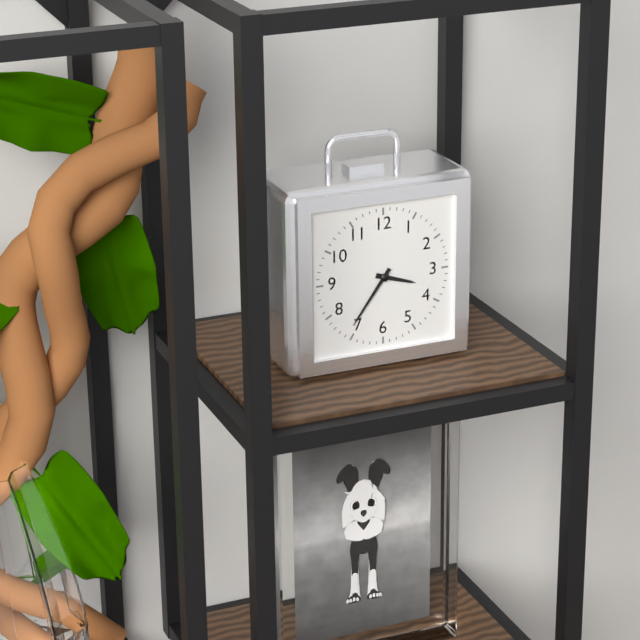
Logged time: 3:36
